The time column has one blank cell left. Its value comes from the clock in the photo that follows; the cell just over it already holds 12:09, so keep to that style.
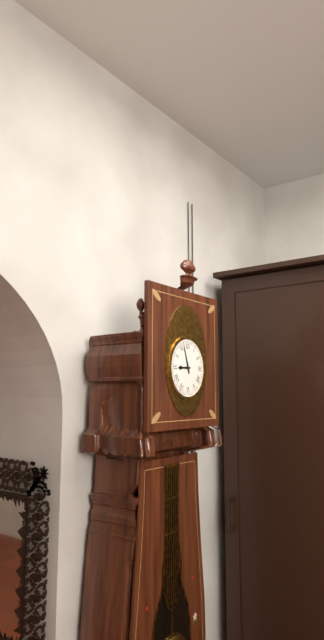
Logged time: 8:57
